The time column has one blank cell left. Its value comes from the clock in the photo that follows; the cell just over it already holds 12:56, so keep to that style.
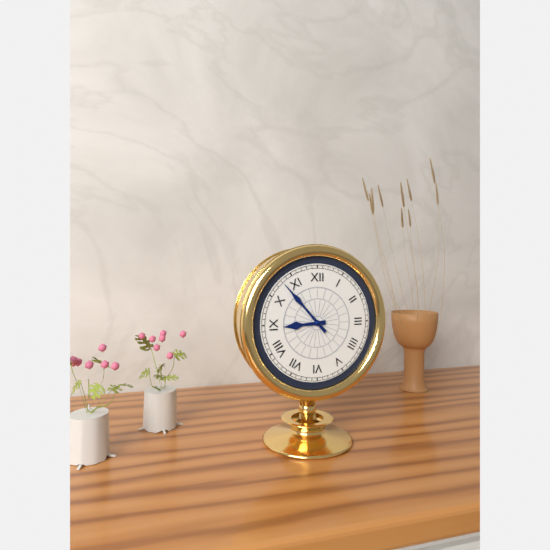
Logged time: 8:53
